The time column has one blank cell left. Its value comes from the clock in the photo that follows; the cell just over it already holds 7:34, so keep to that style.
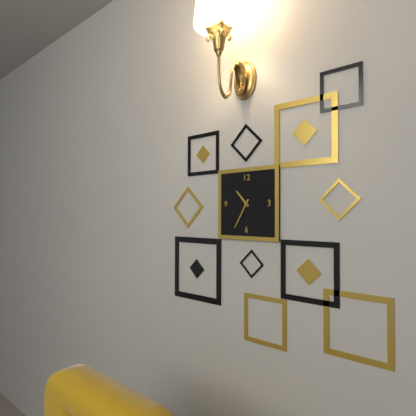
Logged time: 10:35
